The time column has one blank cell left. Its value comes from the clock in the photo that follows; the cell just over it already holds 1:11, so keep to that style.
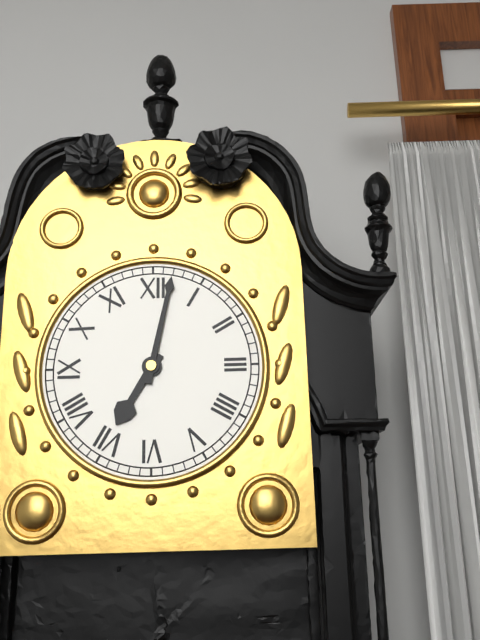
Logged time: 7:02
